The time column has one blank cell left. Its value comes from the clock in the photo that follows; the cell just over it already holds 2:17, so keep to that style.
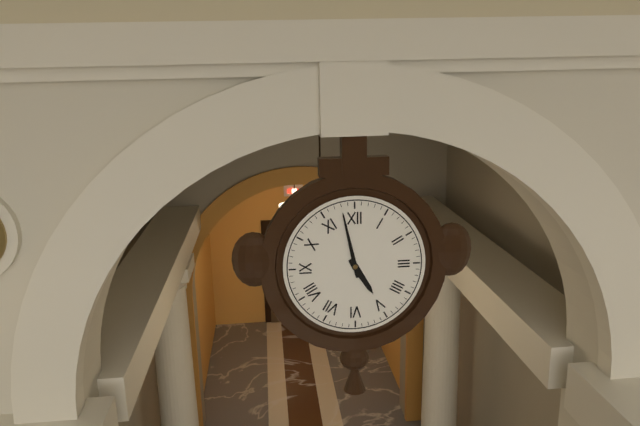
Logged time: 4:58
